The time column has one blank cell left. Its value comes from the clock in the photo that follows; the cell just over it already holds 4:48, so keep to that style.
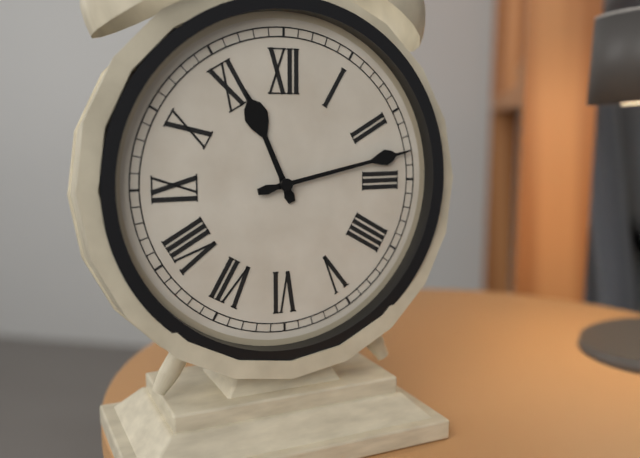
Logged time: 11:13
